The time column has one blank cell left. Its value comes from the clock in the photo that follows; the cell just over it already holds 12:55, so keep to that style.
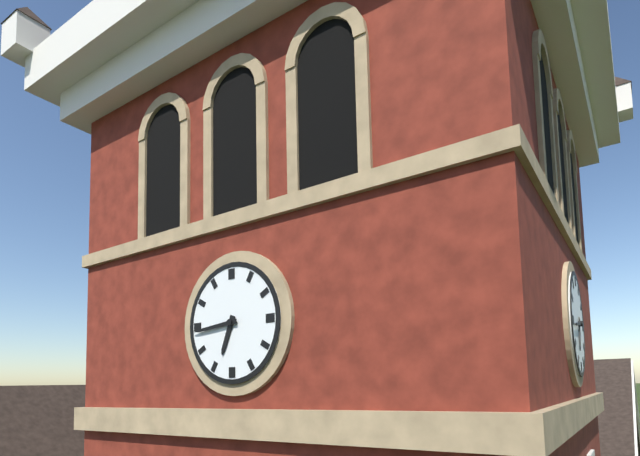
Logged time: 6:44
